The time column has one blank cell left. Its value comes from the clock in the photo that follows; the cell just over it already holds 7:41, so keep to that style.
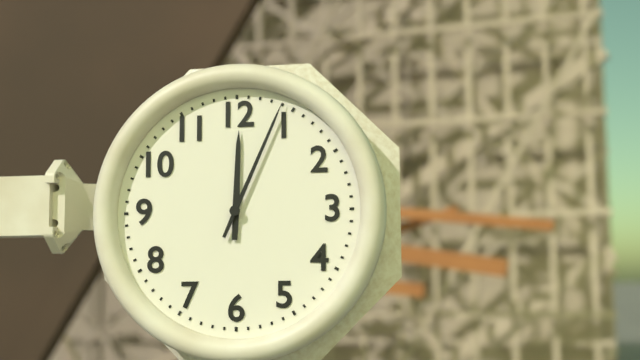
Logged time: 12:04
